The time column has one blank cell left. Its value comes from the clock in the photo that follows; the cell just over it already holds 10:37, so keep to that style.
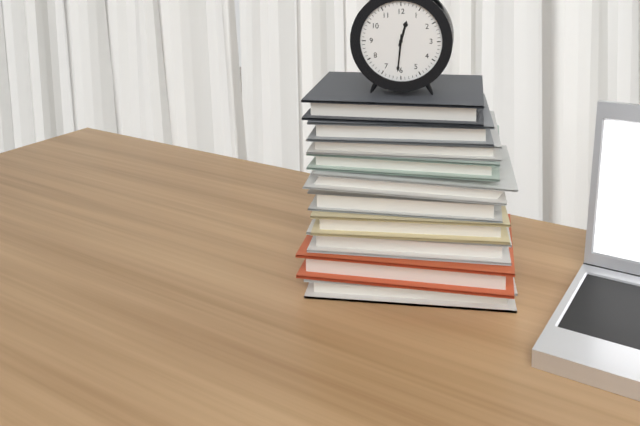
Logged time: 12:31
